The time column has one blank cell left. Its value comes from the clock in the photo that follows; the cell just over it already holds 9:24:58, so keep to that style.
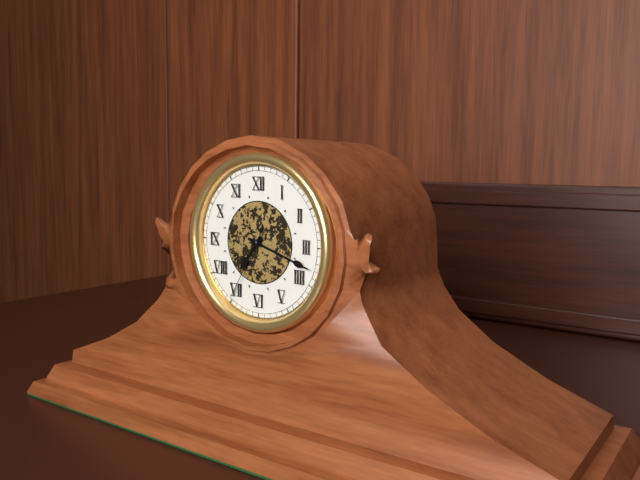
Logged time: 7:18:35
